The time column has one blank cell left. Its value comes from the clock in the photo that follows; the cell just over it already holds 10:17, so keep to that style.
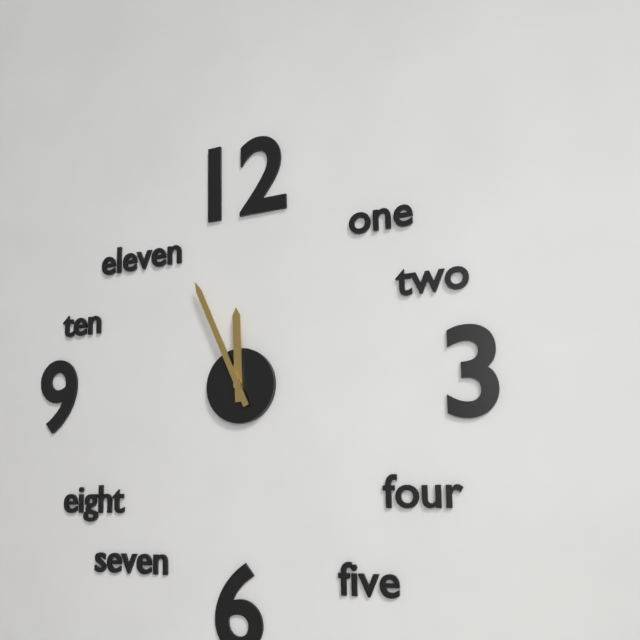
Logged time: 11:56
